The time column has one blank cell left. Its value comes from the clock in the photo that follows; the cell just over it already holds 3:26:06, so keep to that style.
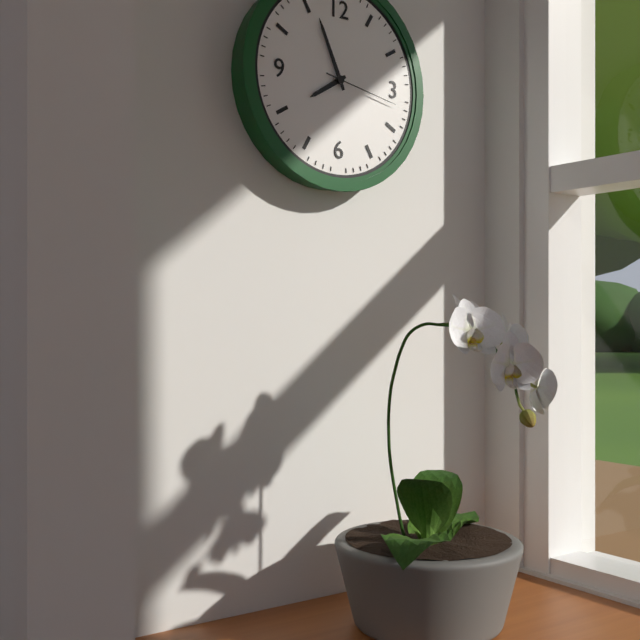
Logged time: 7:56:17
